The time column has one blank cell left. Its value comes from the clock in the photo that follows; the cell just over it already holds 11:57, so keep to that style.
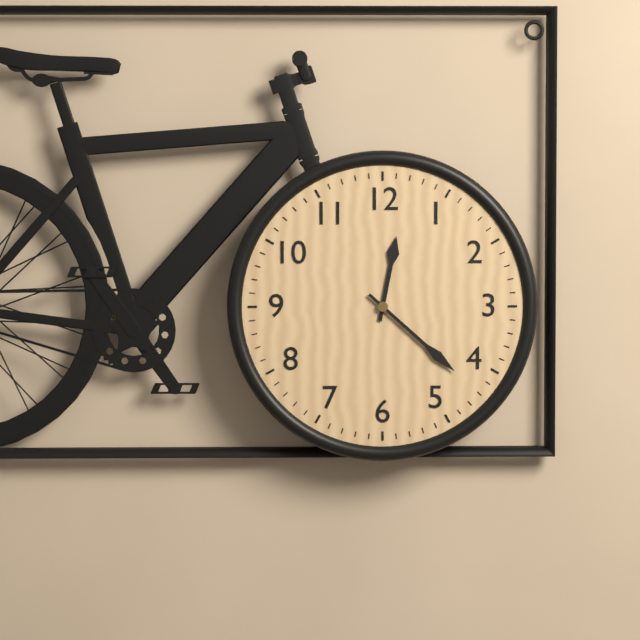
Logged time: 12:22
